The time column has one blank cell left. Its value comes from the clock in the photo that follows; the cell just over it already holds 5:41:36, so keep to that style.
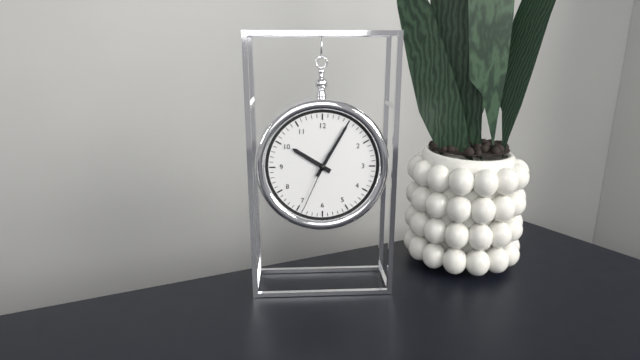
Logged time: 10:05:34
